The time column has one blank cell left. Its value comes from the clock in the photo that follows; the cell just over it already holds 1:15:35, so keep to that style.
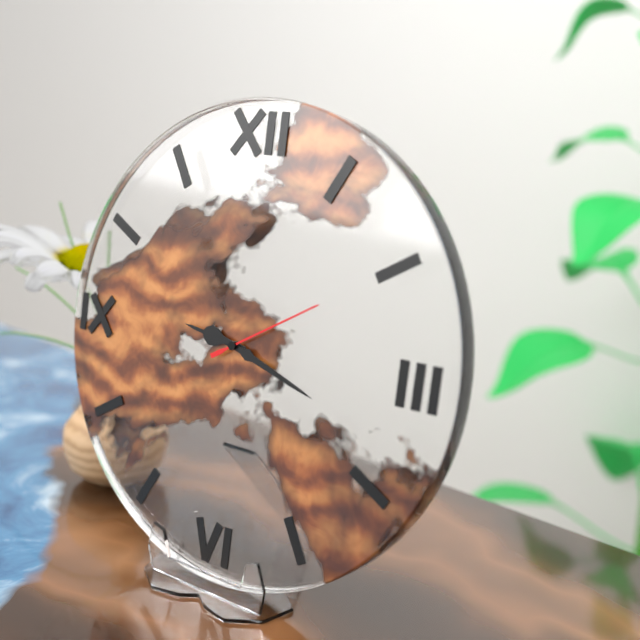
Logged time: 9:18:10
